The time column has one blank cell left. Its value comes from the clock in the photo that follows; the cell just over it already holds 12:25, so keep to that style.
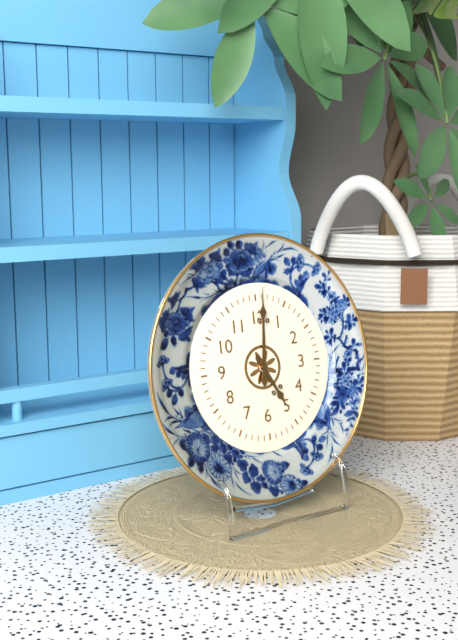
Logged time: 5:01
